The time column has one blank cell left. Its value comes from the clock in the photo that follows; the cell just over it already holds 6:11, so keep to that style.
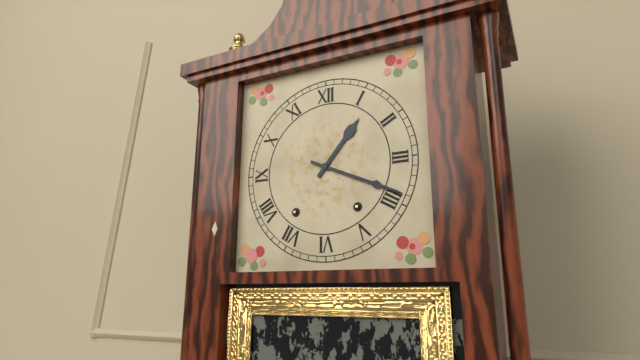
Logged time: 1:19
